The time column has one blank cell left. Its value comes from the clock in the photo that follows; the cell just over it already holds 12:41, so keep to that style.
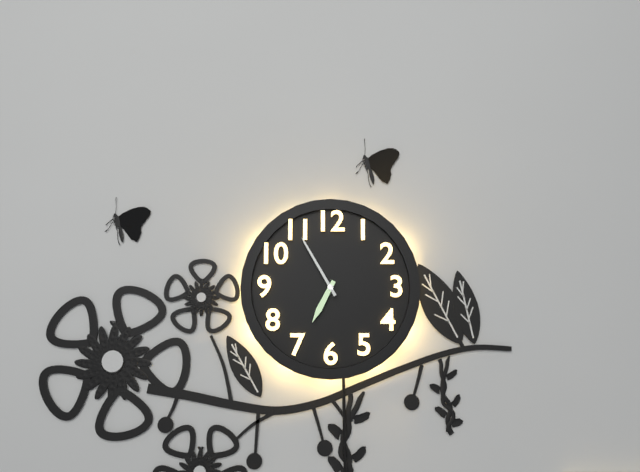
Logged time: 6:55
